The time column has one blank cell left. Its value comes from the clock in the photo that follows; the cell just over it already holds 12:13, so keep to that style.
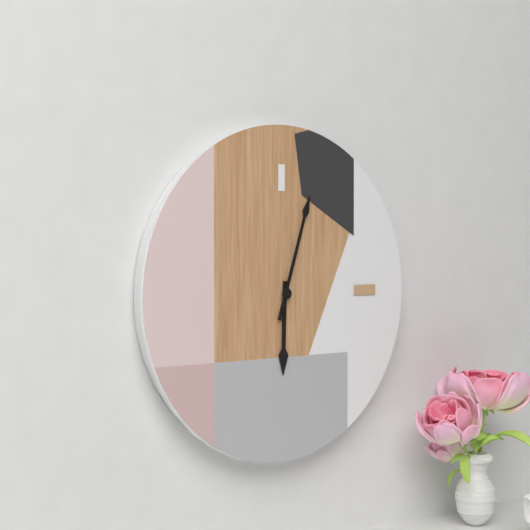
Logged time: 6:03
